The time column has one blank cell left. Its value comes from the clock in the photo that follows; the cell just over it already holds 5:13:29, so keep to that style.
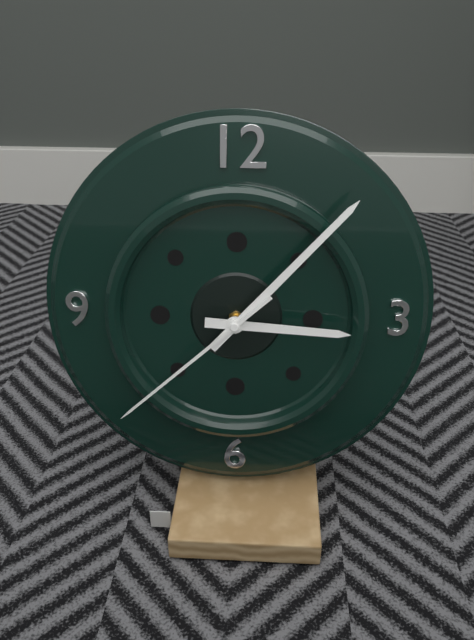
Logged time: 3:07:38
